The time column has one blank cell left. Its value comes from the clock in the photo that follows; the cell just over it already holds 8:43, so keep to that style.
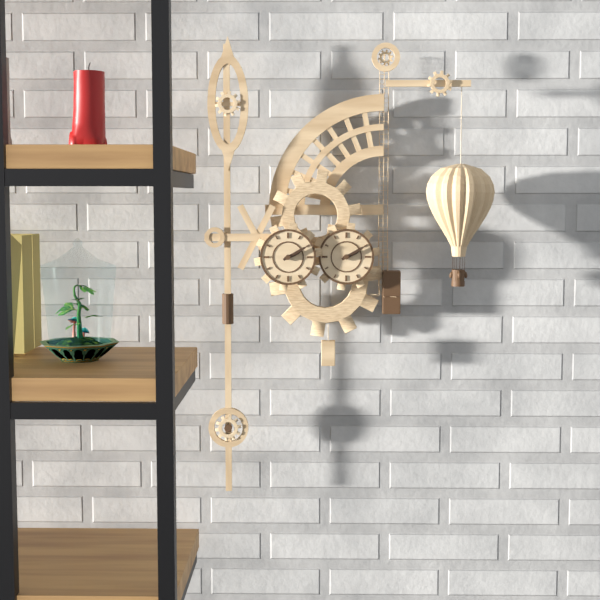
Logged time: 2:10
